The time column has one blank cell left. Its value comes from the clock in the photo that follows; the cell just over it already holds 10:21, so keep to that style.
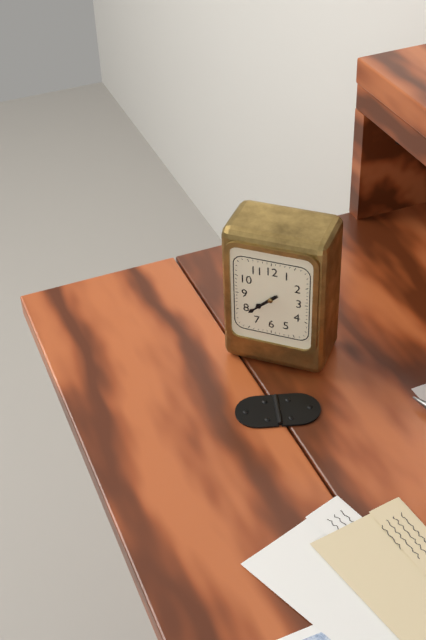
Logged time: 7:38
